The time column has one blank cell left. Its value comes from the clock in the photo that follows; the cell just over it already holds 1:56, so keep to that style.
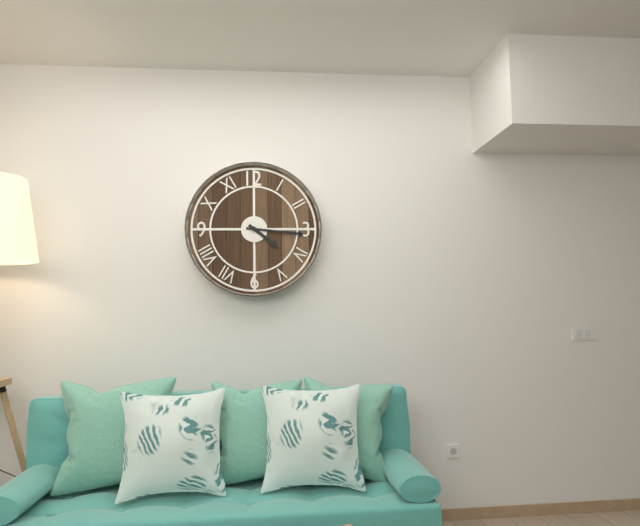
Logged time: 4:16
